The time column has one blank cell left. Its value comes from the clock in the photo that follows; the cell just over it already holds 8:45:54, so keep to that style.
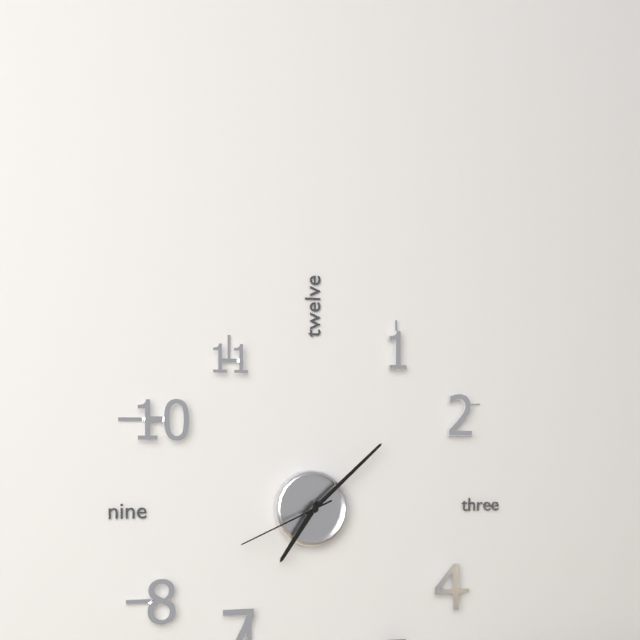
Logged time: 7:08:41
